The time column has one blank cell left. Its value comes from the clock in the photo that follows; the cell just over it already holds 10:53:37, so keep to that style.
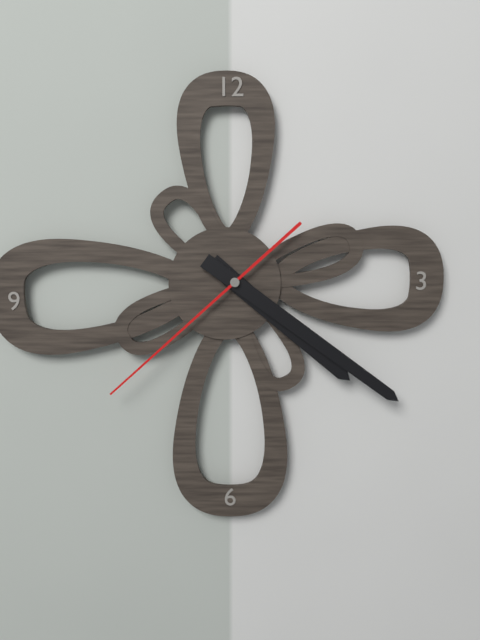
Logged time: 4:21:38
